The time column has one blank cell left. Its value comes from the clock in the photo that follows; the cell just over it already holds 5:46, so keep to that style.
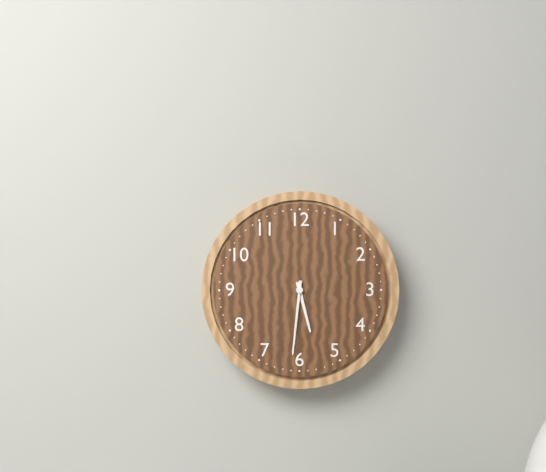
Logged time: 5:31
